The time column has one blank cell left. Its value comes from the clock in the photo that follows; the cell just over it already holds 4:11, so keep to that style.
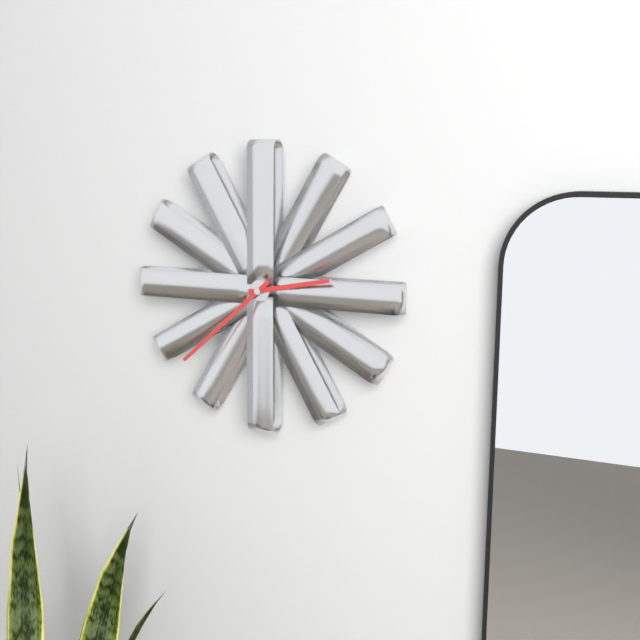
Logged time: 2:38
